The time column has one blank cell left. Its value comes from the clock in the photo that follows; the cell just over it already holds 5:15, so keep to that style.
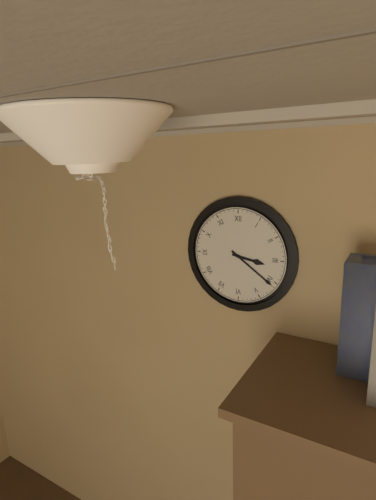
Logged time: 3:21
